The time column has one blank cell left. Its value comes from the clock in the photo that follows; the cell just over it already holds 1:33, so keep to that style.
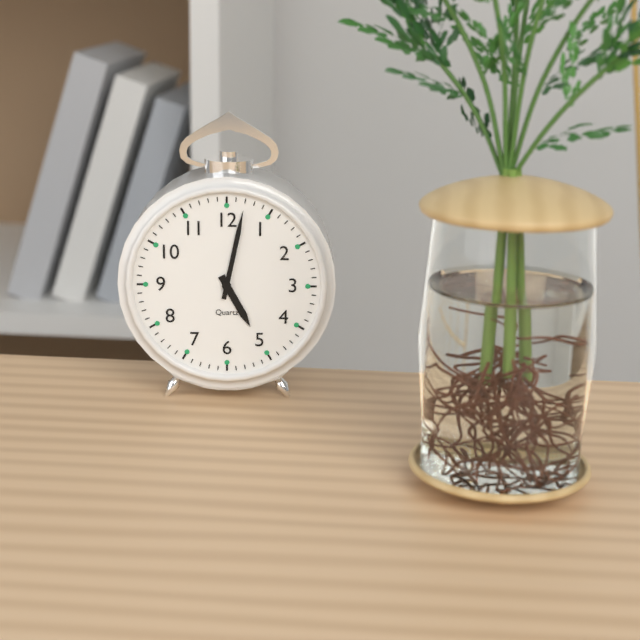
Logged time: 5:02
